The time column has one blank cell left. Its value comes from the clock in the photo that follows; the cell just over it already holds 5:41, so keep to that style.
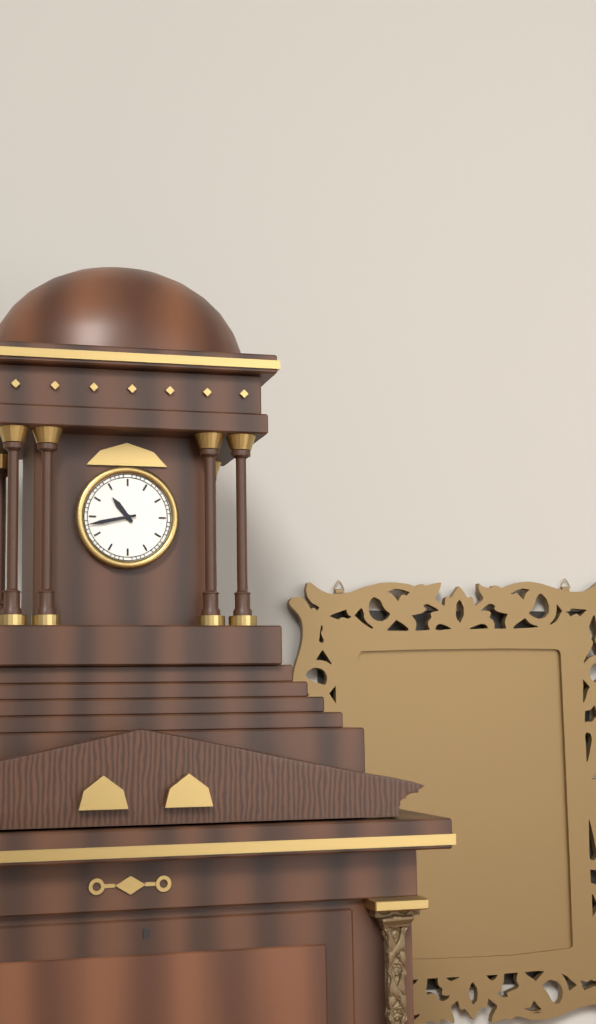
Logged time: 10:43
